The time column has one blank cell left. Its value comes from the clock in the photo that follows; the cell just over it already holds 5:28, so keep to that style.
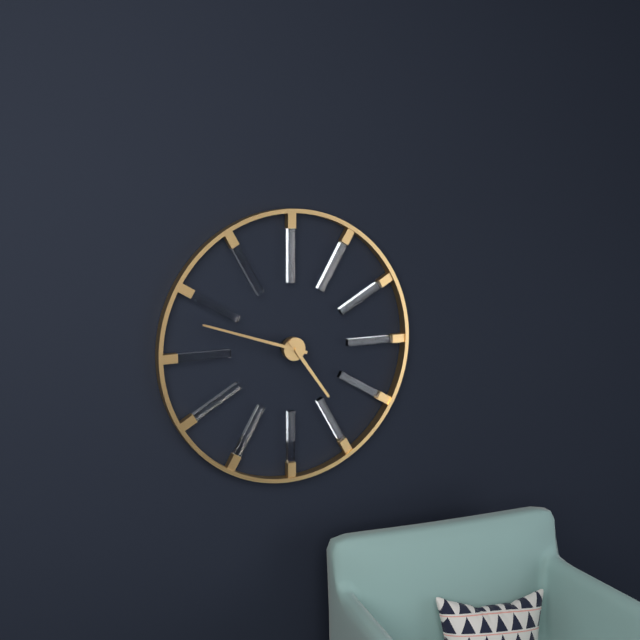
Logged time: 4:48
